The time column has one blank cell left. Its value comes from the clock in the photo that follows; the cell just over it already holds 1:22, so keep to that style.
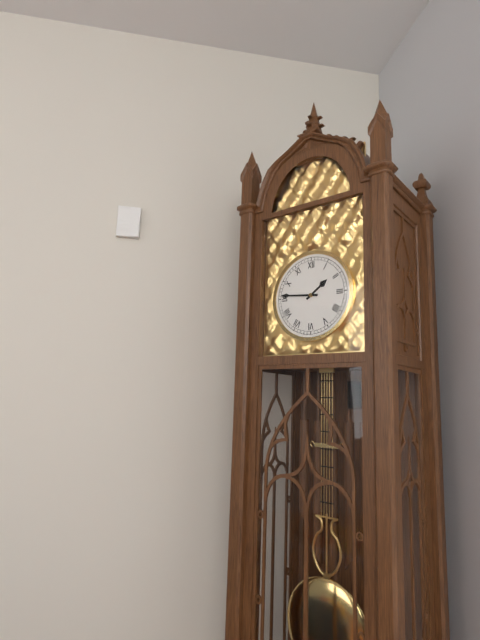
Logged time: 1:46
